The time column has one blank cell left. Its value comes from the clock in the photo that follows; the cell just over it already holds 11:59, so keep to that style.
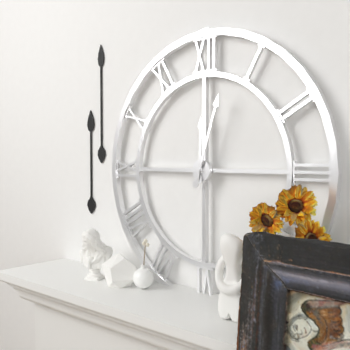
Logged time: 12:03
